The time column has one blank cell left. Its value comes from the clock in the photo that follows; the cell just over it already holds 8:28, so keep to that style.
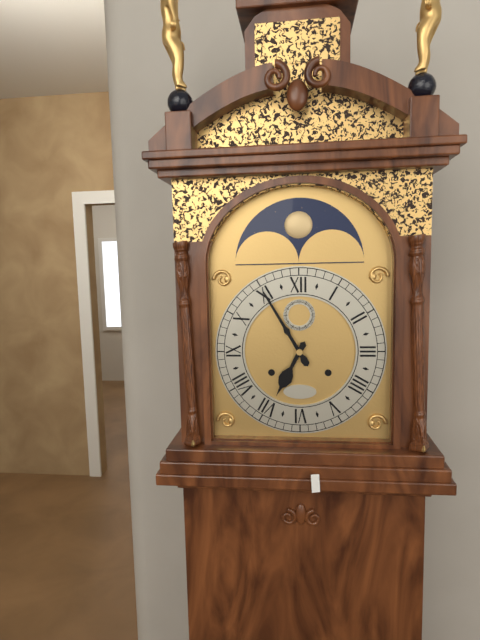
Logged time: 6:55
